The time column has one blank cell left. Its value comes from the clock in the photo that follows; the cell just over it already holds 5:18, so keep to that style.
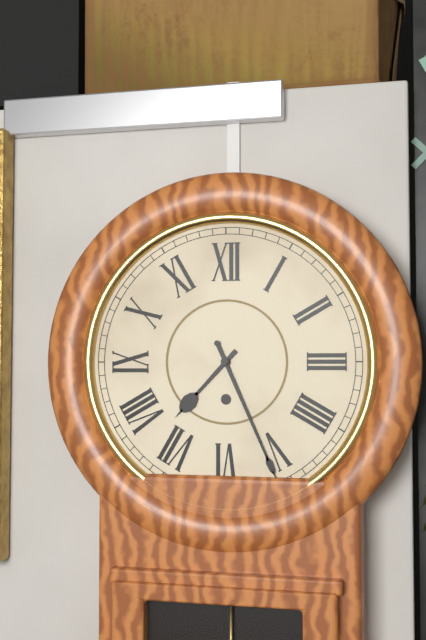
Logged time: 7:26
